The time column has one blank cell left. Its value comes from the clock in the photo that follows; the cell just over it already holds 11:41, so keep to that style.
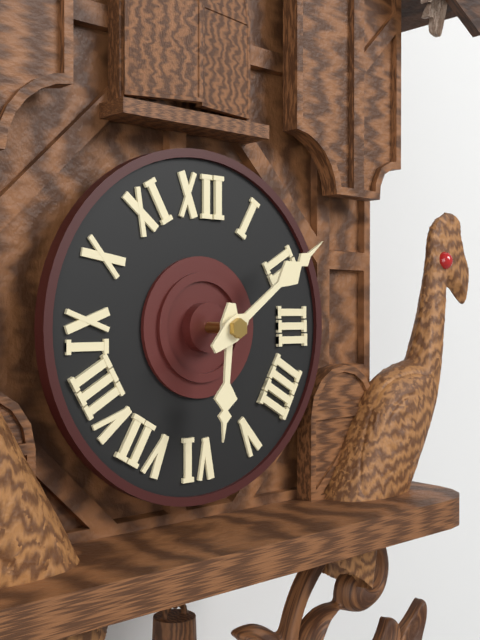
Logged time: 6:09
